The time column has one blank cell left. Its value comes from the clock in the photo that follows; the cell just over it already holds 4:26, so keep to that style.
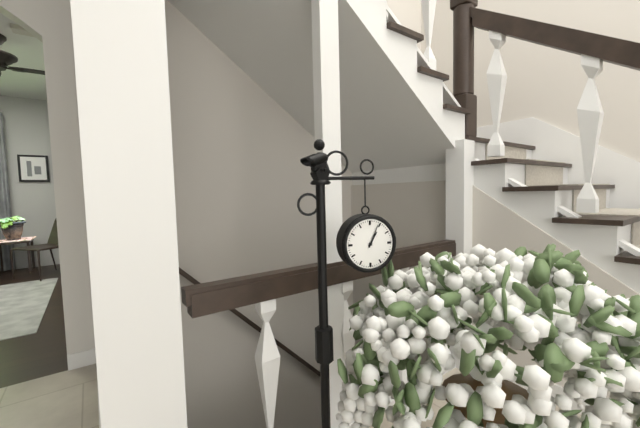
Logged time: 1:04
